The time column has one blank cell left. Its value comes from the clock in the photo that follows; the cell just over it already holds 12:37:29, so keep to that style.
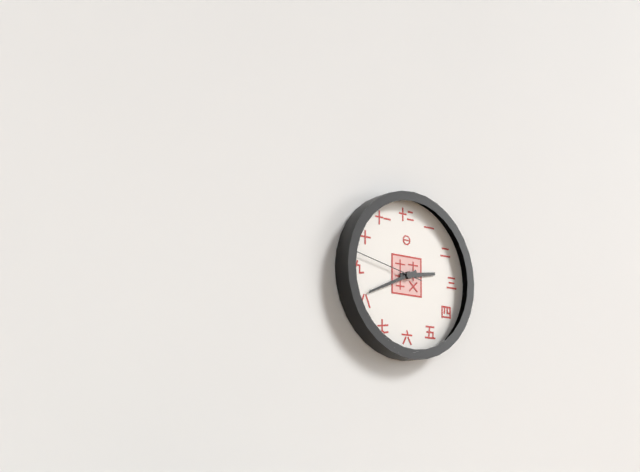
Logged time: 2:41:47
